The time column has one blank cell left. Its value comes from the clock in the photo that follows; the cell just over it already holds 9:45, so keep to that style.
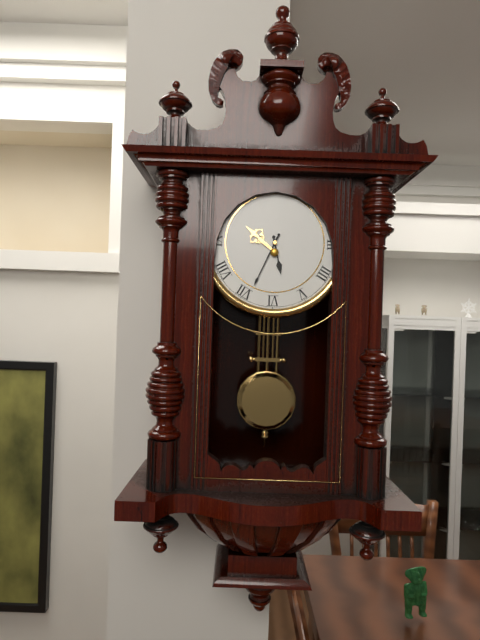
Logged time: 5:34
